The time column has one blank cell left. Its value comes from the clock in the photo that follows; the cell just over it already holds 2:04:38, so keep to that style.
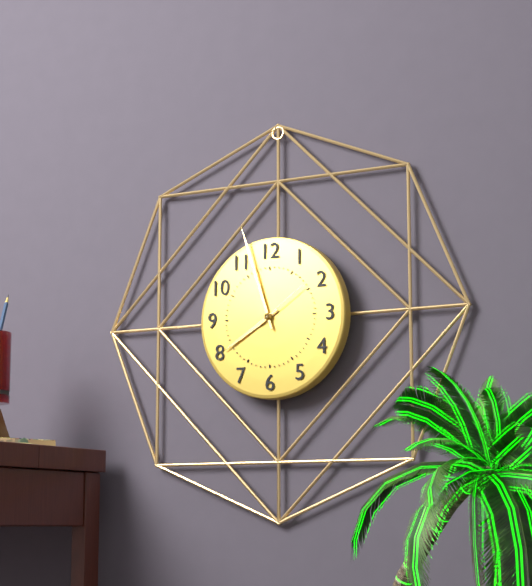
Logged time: 7:57:09
